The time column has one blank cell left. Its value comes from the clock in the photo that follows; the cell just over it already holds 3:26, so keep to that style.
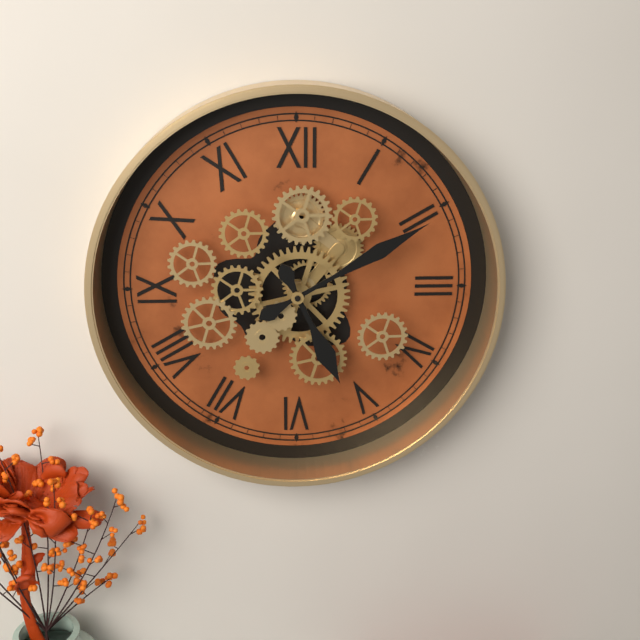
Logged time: 5:10
